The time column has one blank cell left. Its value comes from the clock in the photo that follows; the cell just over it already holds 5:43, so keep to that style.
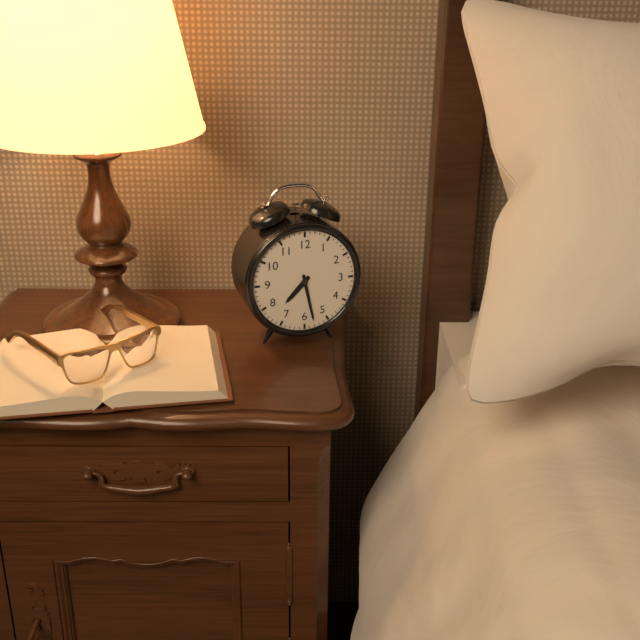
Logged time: 7:28
